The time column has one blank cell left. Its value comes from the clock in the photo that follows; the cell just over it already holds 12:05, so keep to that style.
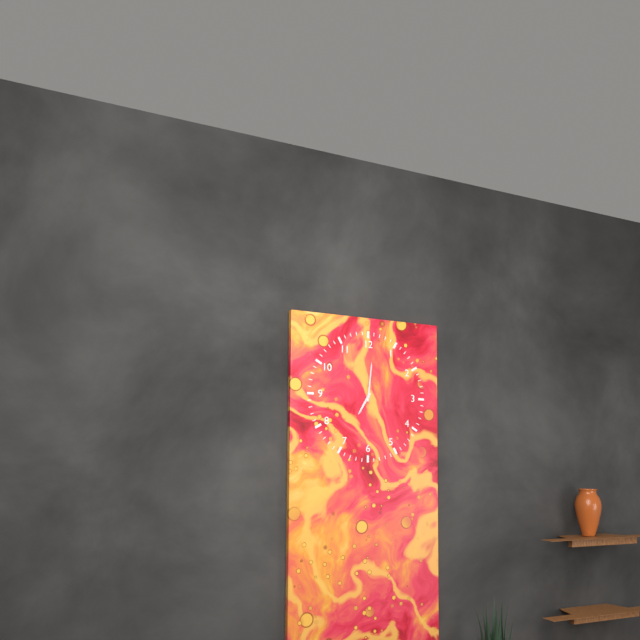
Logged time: 7:01
